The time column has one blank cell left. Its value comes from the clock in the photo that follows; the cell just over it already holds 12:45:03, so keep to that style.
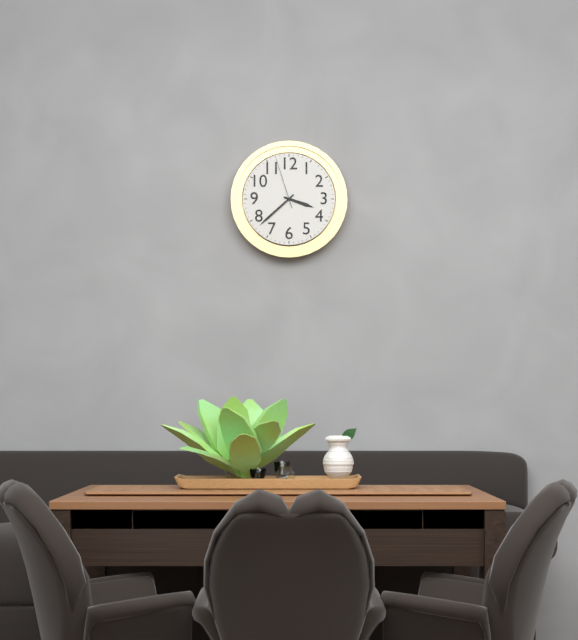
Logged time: 3:38:57
